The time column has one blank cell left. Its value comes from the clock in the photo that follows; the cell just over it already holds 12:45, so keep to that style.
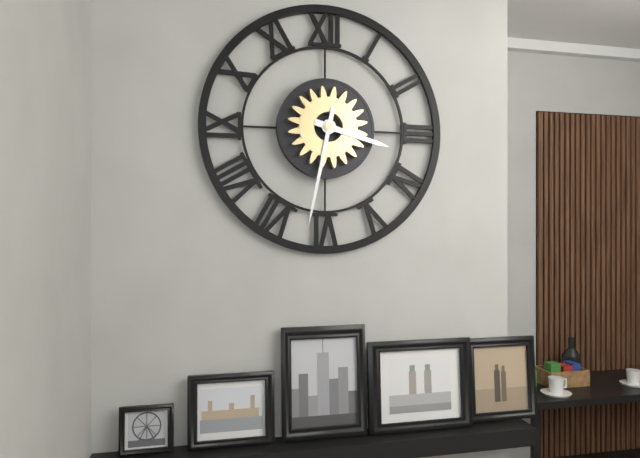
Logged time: 3:32
